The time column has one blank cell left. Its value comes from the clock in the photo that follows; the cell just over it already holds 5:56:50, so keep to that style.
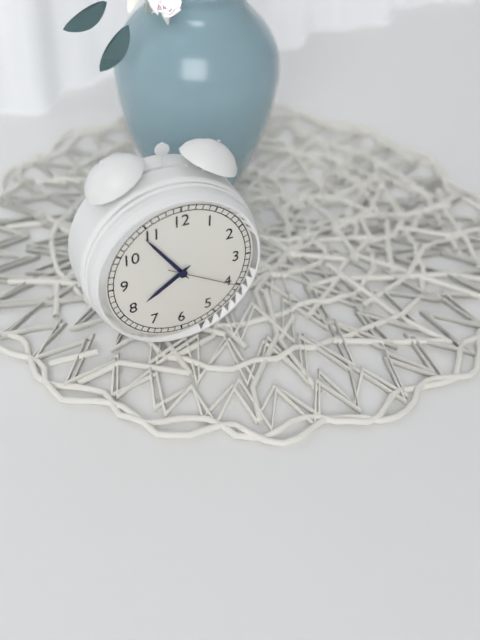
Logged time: 7:54:20
